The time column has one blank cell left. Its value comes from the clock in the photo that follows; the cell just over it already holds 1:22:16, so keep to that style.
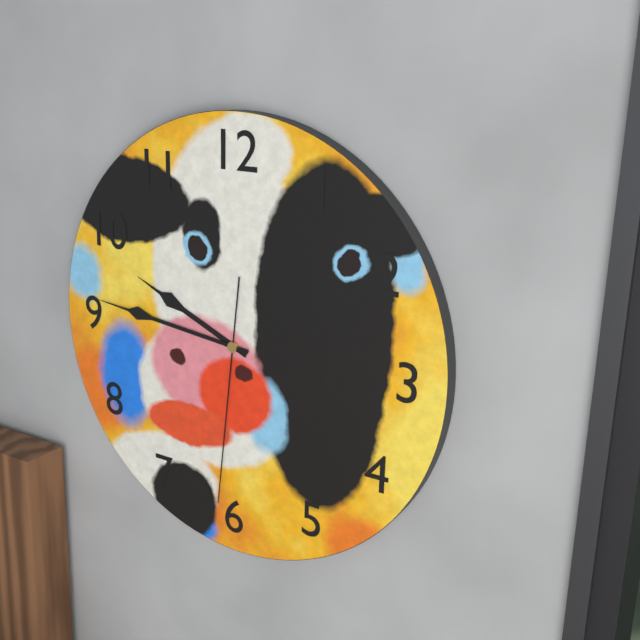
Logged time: 9:46:31
